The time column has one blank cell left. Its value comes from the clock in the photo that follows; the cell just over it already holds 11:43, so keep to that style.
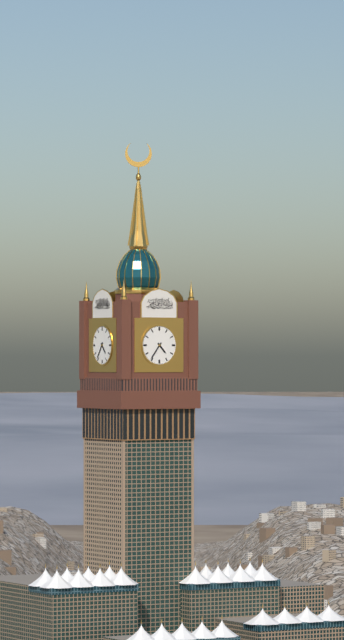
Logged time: 4:36
